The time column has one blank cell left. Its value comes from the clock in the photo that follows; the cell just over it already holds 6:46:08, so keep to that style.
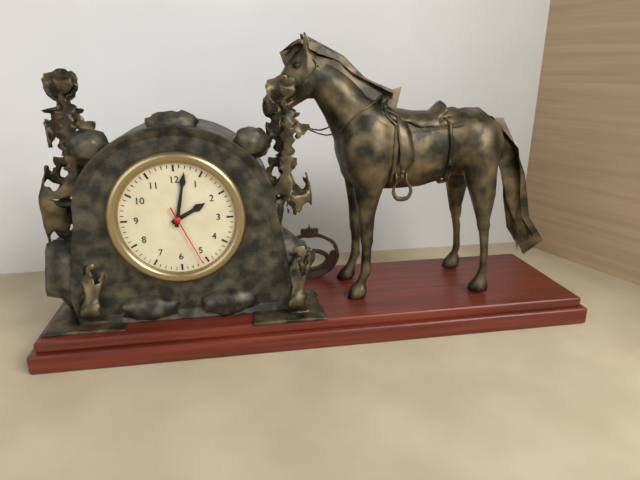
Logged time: 2:02:26
